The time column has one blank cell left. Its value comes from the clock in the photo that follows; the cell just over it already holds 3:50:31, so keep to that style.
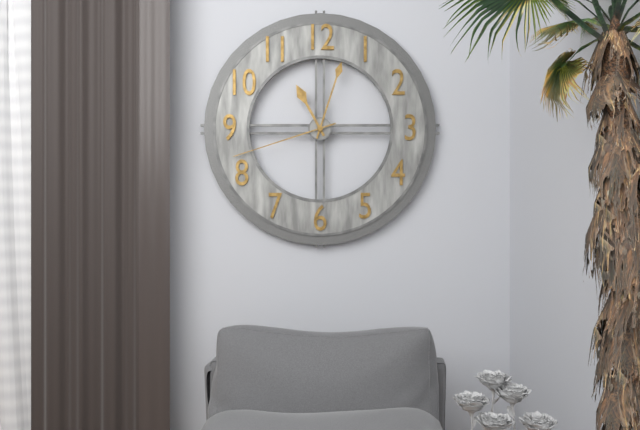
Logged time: 11:03:42
